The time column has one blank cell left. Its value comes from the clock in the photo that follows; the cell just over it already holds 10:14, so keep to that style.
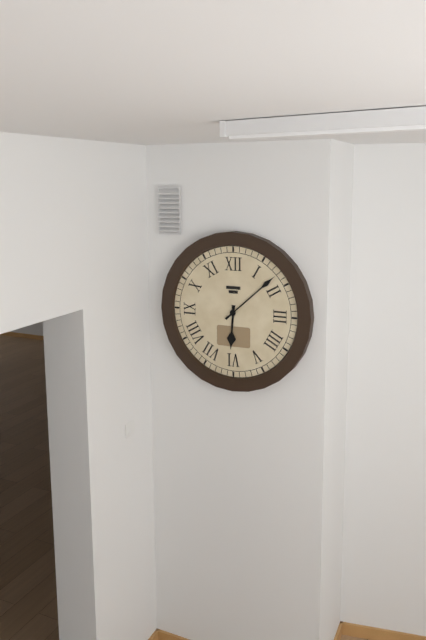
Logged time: 6:08
